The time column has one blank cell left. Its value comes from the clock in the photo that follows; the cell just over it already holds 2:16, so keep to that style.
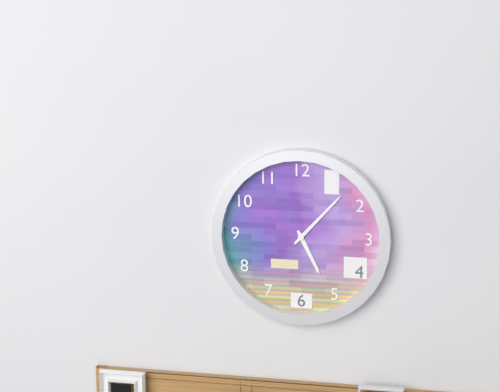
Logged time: 5:07
